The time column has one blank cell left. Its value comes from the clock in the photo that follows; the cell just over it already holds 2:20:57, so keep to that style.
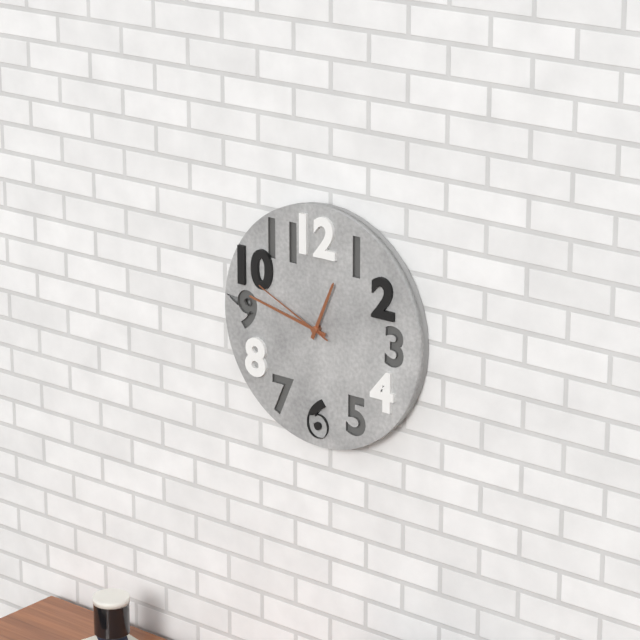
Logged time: 12:47:49
